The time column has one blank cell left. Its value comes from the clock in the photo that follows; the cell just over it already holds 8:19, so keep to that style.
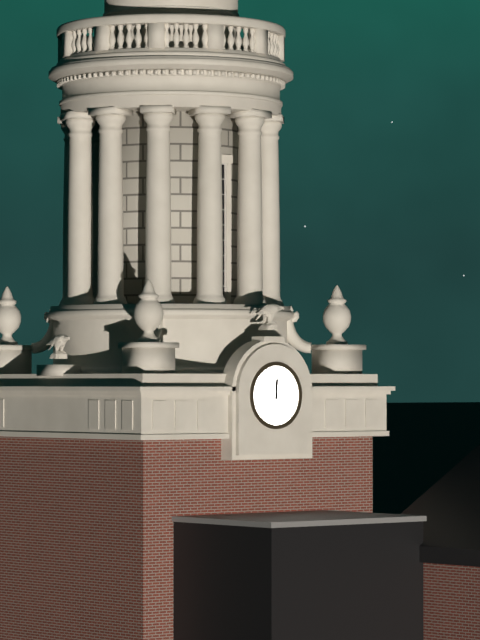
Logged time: 12:01
